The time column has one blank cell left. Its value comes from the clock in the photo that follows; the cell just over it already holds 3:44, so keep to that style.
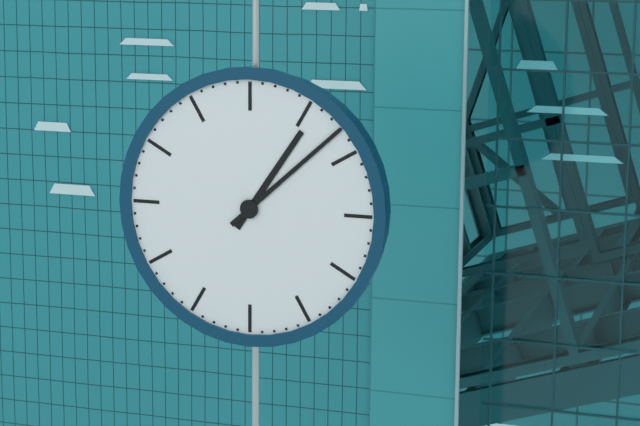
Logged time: 1:08
